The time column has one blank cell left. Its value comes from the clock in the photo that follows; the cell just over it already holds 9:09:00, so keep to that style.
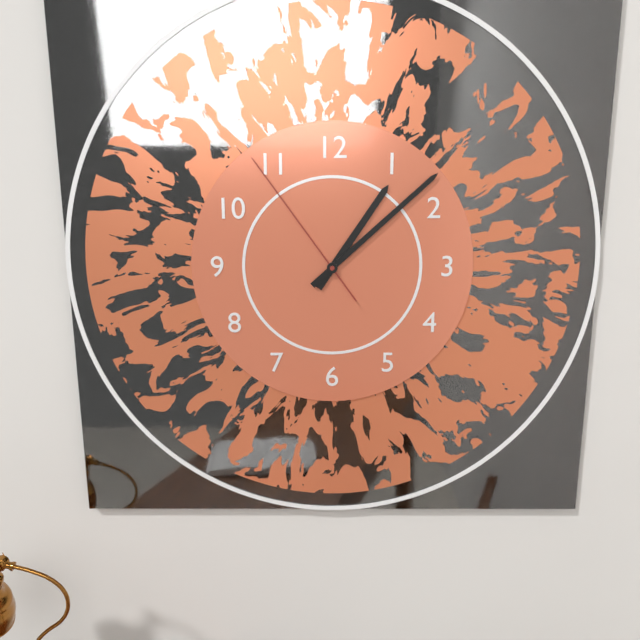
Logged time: 1:08:54
